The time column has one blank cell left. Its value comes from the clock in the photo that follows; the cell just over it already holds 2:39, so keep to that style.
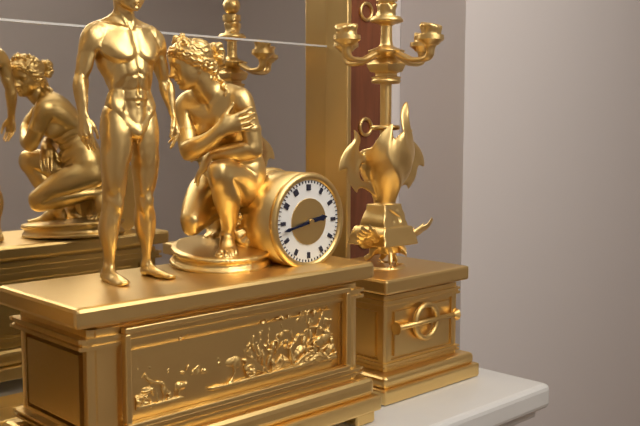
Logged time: 2:43
